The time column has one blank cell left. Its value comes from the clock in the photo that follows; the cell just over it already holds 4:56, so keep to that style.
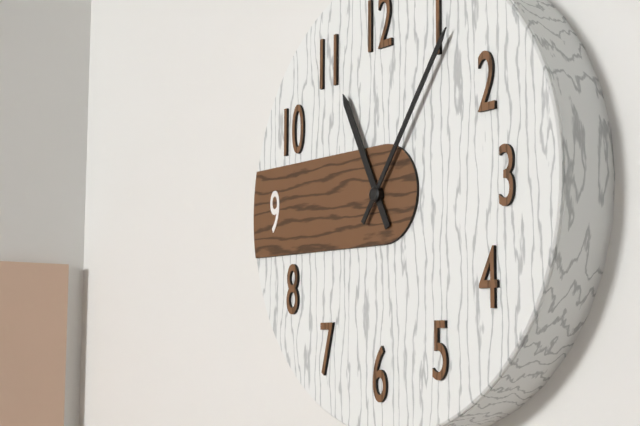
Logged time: 11:06
